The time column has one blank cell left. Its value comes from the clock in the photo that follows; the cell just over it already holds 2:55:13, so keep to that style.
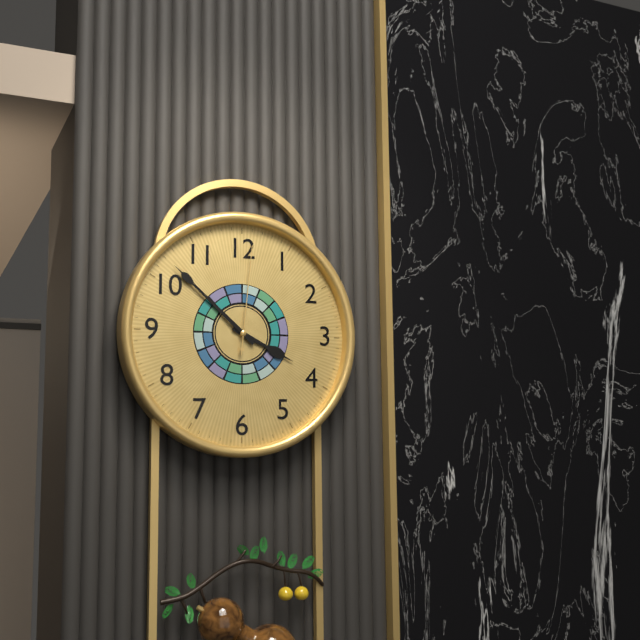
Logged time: 3:52:01
